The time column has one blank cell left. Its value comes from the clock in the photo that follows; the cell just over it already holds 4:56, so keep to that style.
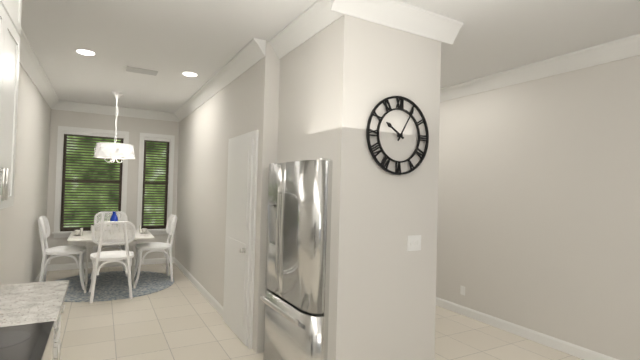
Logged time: 10:05
